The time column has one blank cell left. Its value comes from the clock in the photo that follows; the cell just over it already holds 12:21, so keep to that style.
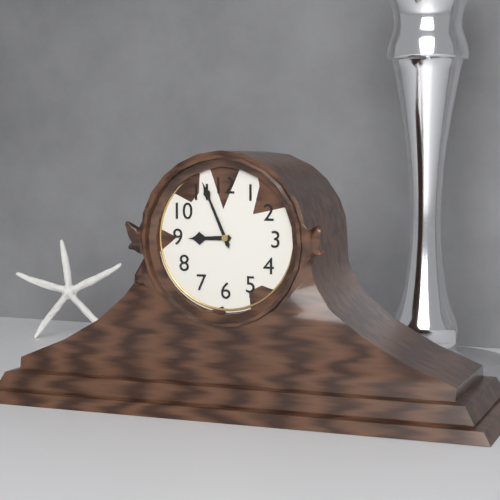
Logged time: 8:56
